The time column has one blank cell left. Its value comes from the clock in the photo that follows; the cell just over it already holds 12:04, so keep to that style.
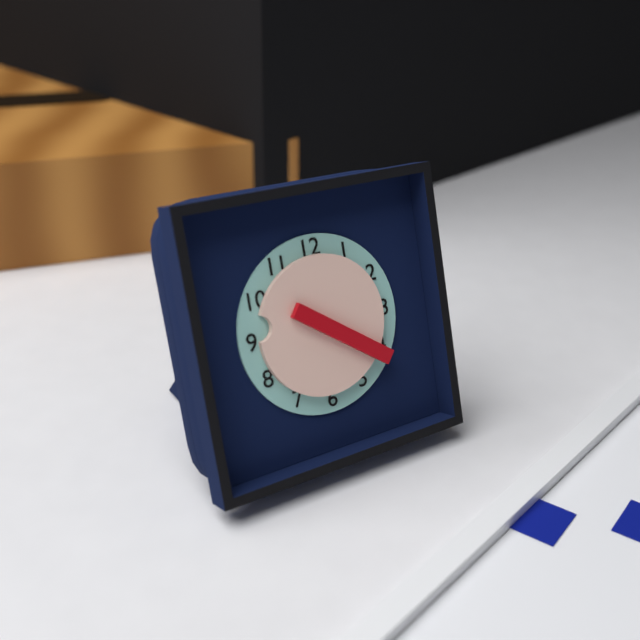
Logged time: 9:21
